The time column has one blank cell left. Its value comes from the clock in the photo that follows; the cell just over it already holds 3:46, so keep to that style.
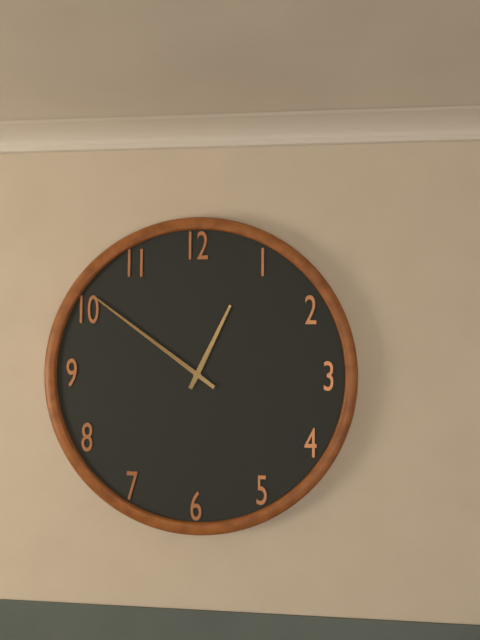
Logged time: 12:51
